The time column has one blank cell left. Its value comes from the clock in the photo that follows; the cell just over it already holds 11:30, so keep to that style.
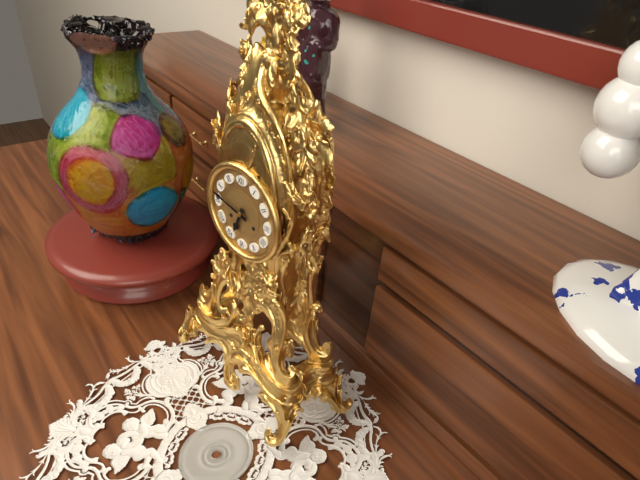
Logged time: 6:47
